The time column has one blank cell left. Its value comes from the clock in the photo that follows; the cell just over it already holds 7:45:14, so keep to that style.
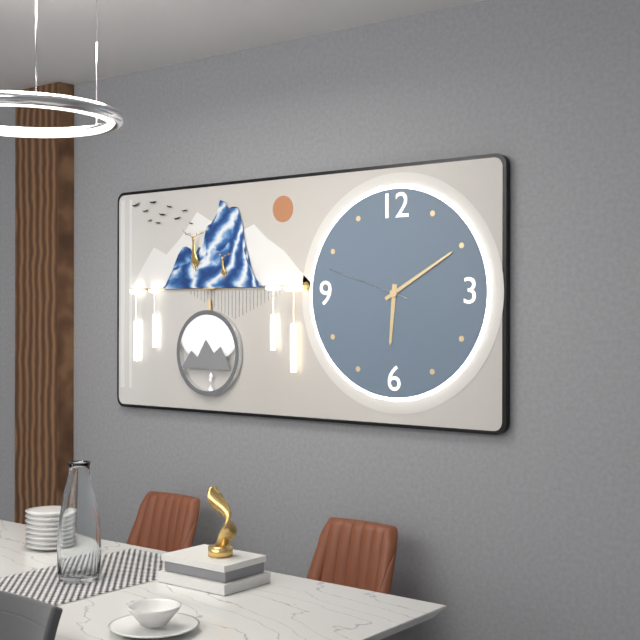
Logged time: 6:10:48
